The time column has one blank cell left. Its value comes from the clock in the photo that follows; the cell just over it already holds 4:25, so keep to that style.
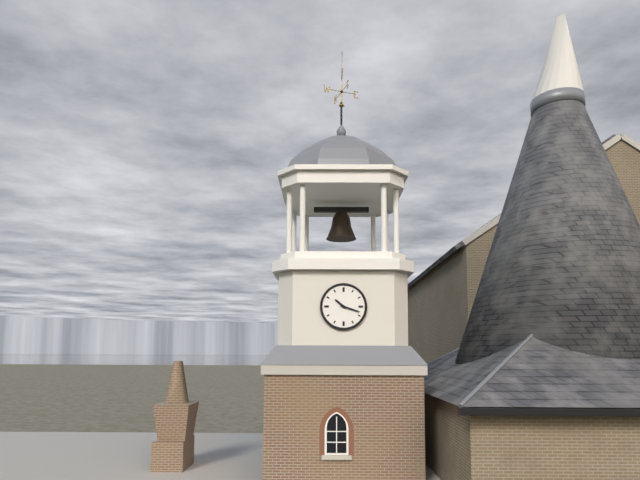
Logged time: 10:18
